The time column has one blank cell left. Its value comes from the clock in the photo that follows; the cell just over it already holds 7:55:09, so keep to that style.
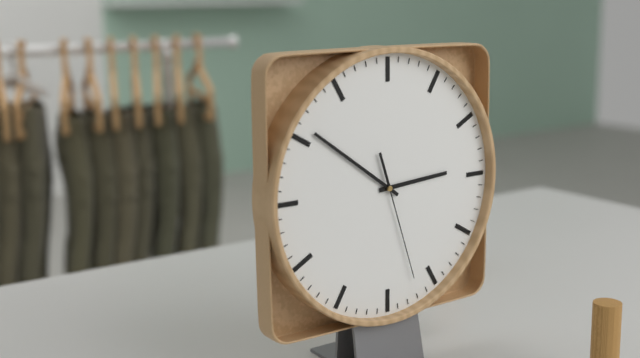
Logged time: 2:51:27
